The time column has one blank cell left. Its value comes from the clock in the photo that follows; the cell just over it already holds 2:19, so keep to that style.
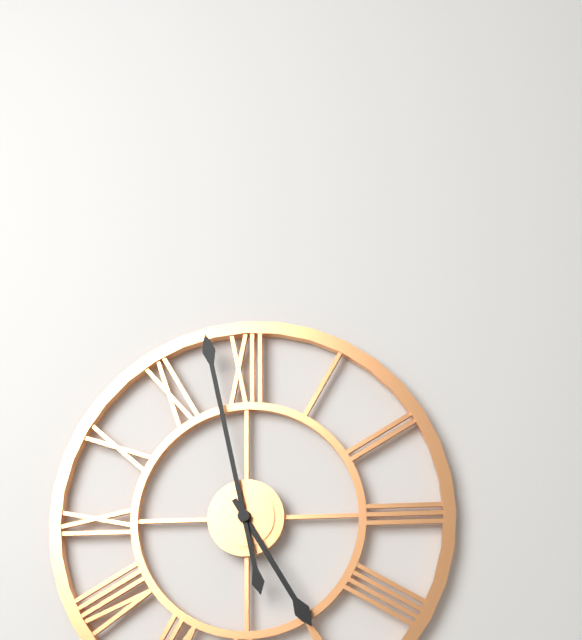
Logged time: 4:58
